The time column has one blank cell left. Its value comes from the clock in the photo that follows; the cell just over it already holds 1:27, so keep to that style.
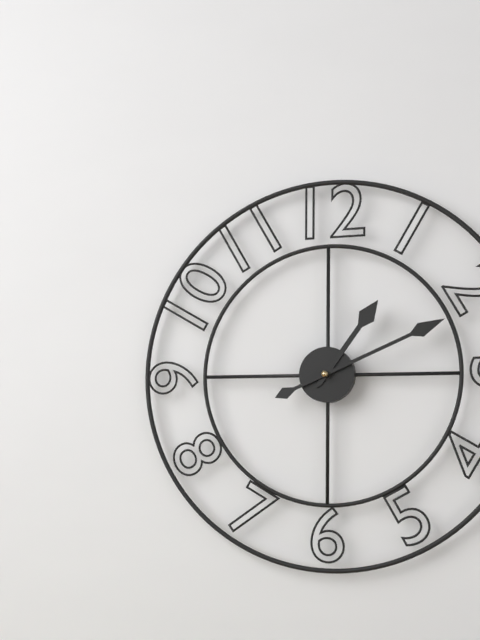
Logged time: 1:11
